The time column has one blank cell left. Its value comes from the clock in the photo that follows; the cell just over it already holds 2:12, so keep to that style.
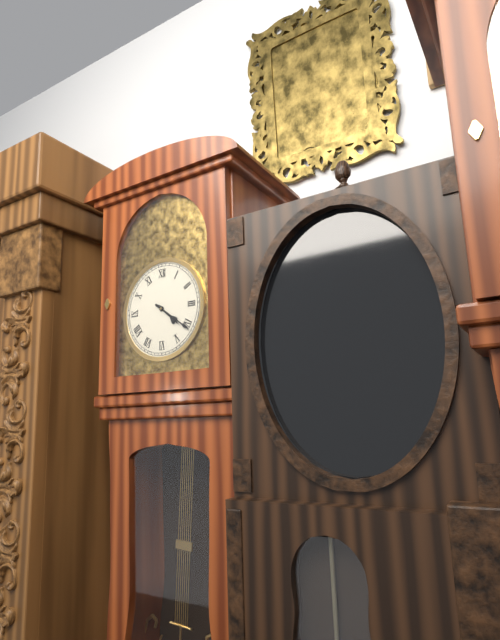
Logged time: 4:21
